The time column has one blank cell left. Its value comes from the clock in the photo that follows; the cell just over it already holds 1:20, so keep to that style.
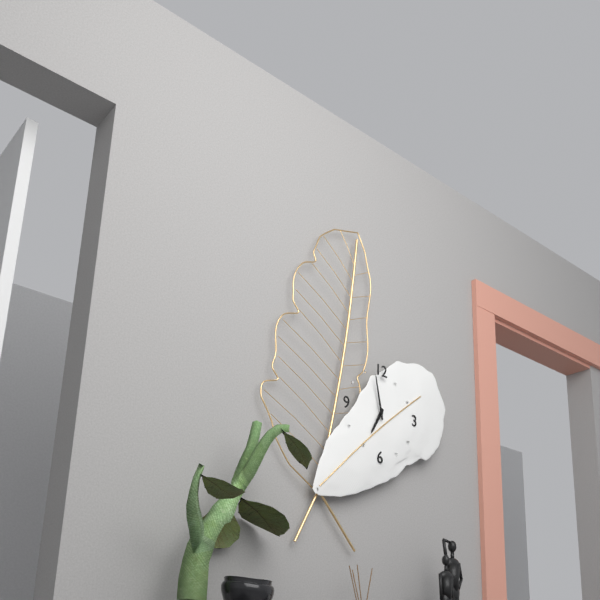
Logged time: 6:58
